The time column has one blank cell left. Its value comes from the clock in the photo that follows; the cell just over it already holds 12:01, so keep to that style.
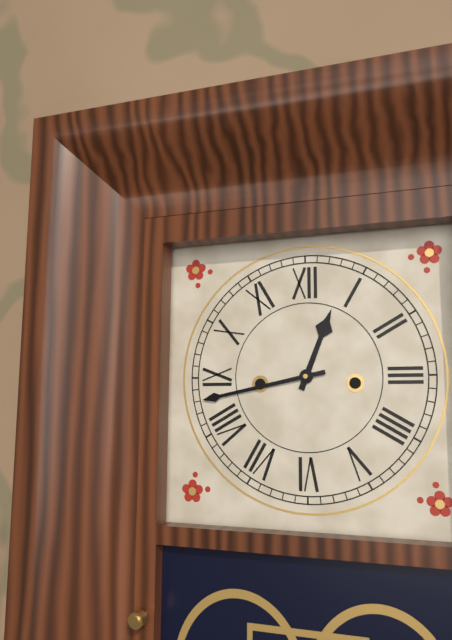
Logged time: 12:43
